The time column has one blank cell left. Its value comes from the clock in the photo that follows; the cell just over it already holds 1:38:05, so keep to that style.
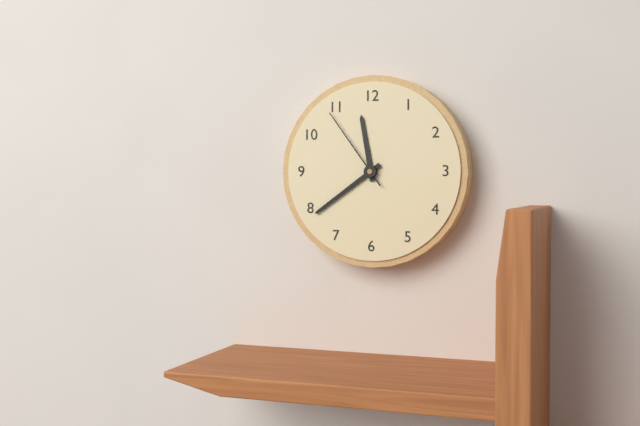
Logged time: 11:39:54
